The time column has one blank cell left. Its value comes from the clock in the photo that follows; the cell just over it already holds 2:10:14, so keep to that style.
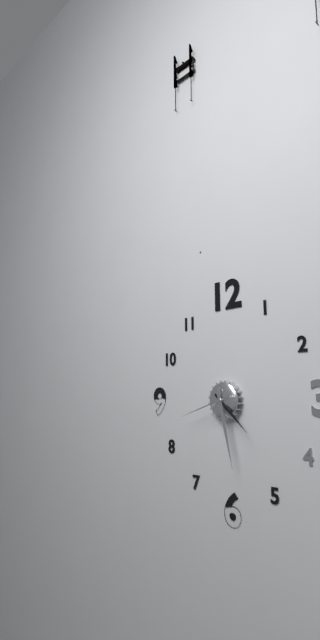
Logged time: 4:28:42
